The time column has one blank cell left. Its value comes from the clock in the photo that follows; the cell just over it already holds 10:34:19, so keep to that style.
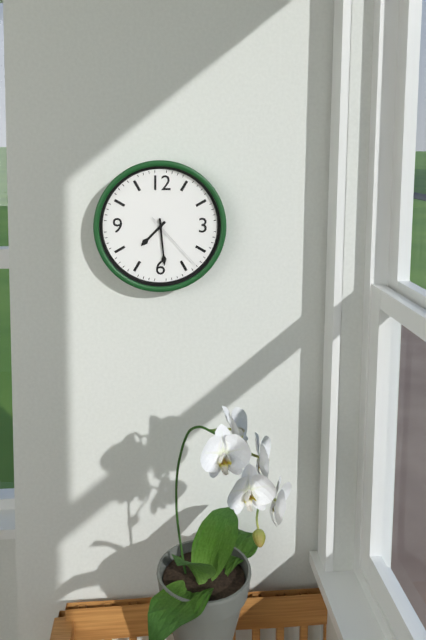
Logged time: 7:29:23
